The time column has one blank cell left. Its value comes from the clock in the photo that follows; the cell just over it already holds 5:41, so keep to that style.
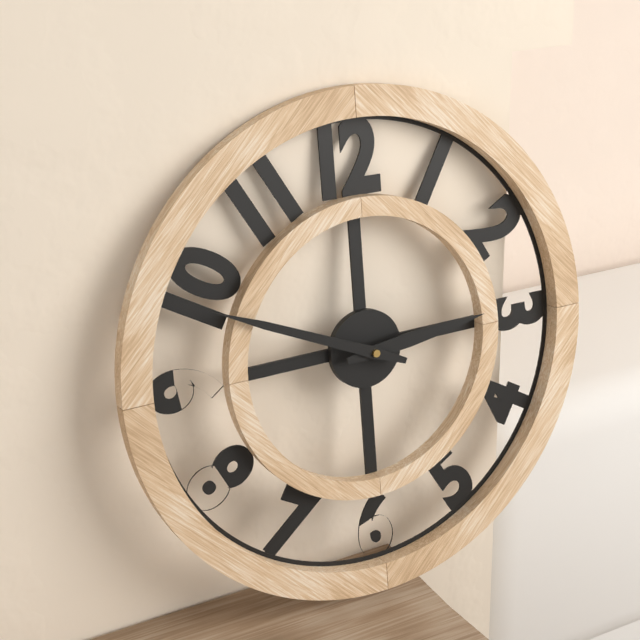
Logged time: 2:49
